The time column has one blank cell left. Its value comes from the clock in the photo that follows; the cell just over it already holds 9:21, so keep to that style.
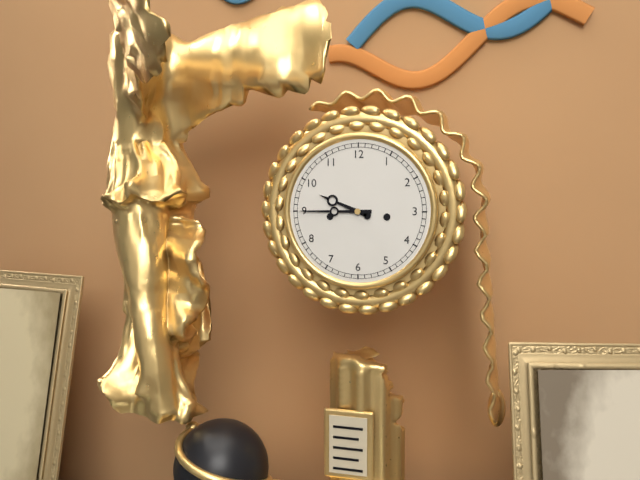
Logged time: 9:45
